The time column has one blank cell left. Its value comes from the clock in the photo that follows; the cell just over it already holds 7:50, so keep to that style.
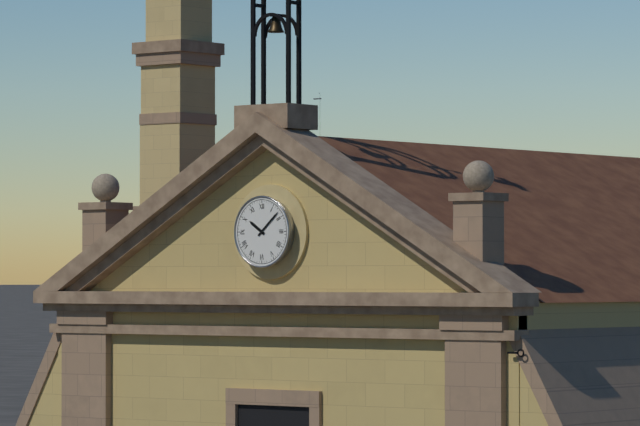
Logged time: 10:08
